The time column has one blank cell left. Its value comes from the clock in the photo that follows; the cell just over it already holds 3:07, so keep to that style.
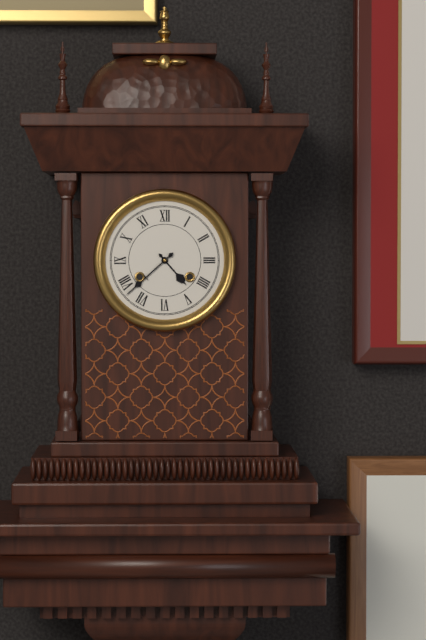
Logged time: 4:38
